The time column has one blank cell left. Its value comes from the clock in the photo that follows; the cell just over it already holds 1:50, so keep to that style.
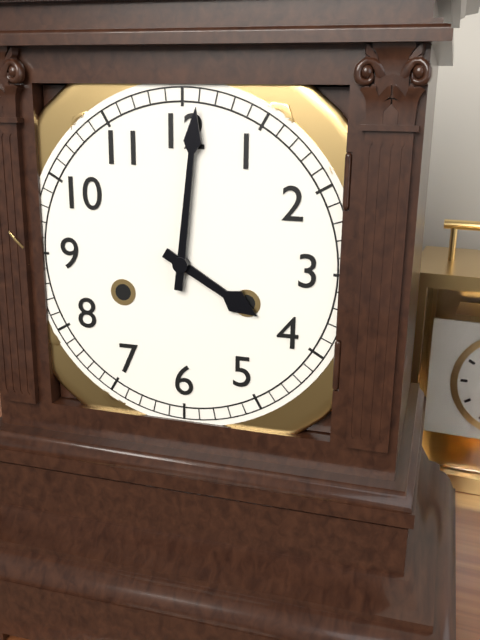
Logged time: 4:01
